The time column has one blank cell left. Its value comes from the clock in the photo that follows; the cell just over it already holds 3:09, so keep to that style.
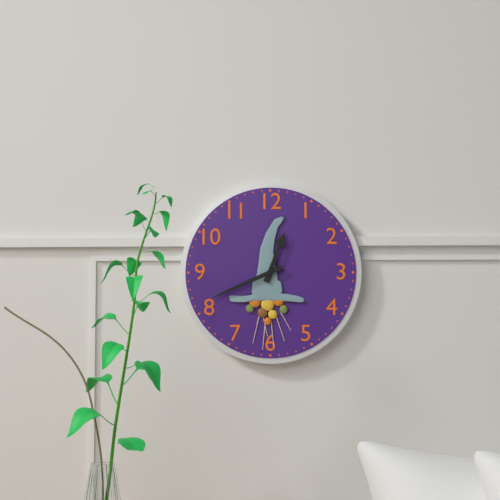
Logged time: 12:41
